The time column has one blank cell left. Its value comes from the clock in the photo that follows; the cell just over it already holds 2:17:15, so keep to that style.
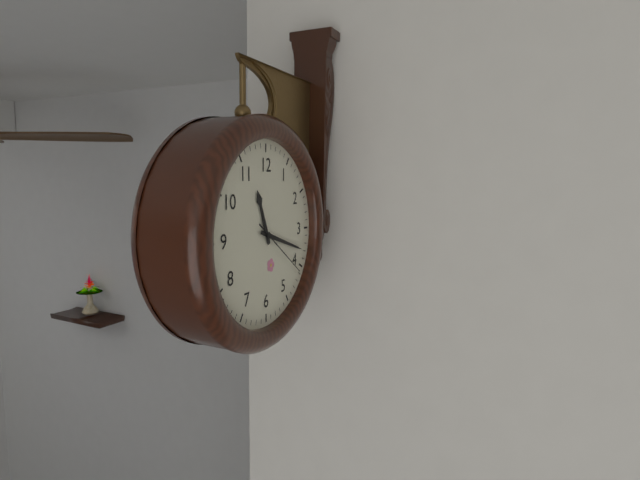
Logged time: 11:18:21
